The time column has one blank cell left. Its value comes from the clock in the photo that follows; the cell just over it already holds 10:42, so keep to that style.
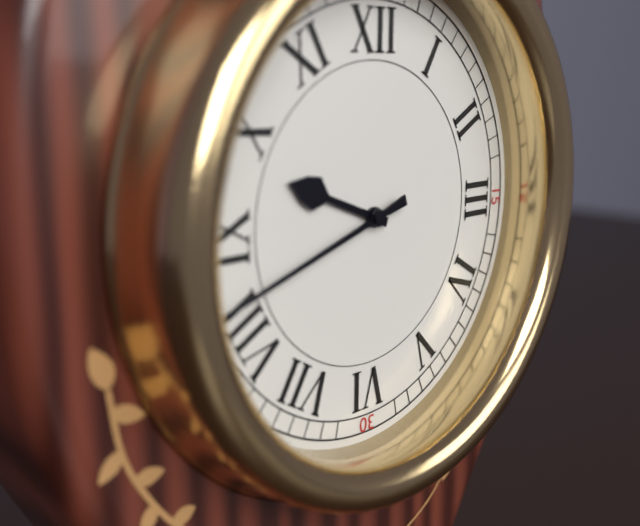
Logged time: 9:42
